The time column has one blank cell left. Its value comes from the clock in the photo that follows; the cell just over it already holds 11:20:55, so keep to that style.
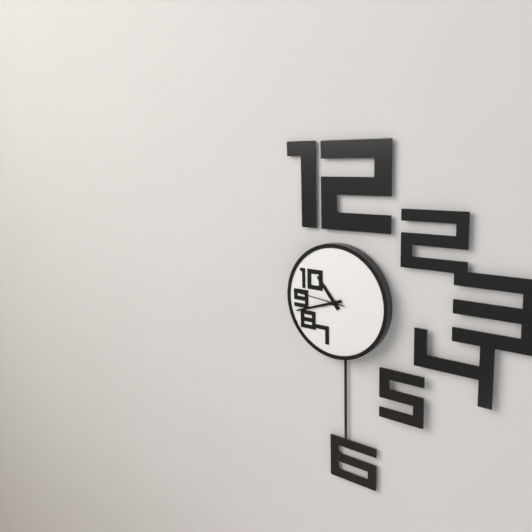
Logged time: 10:42:46
